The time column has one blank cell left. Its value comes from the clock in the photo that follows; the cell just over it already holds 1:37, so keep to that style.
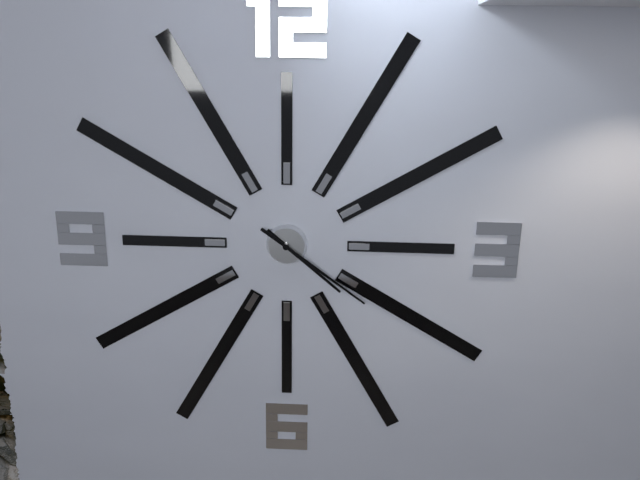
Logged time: 4:21
